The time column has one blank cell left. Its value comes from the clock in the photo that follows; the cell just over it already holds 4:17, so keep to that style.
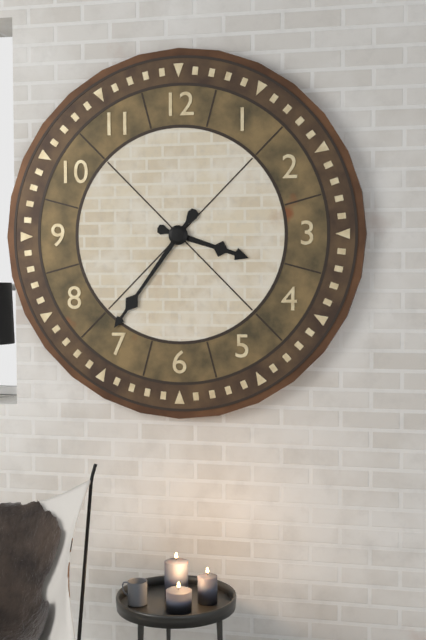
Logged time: 3:36
